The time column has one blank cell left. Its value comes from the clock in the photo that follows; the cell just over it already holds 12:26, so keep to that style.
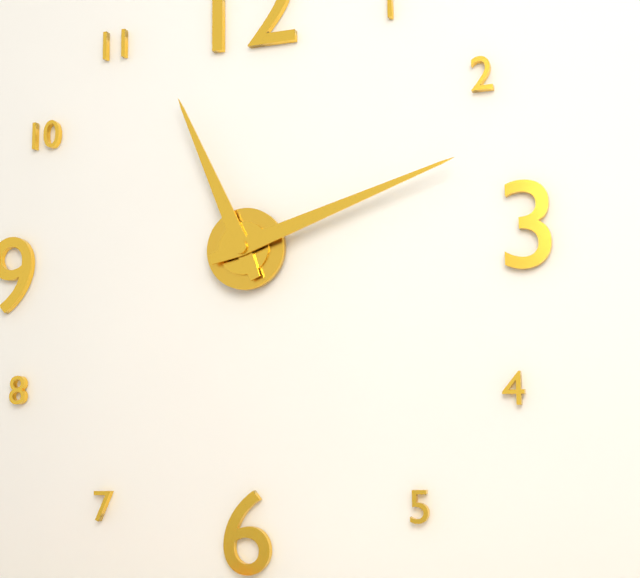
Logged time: 11:12
